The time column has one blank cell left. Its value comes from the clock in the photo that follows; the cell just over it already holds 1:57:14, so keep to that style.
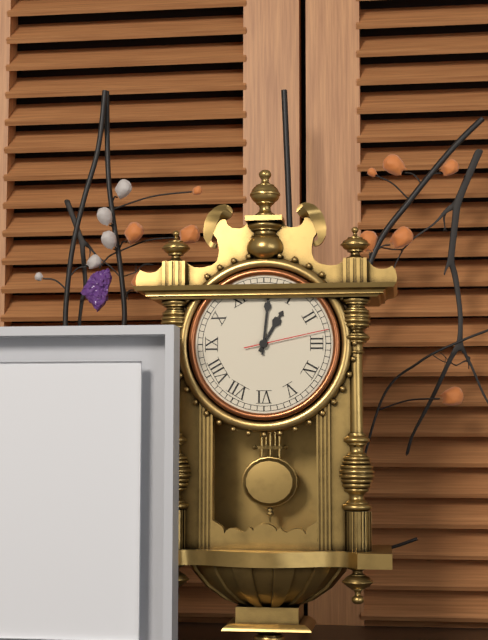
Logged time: 1:01:13
